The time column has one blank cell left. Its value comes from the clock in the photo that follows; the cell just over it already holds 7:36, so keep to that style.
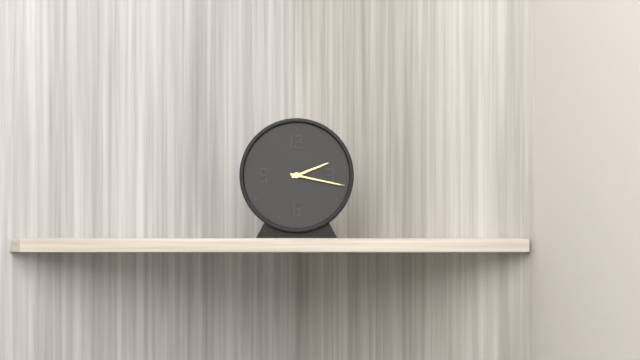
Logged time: 2:17
